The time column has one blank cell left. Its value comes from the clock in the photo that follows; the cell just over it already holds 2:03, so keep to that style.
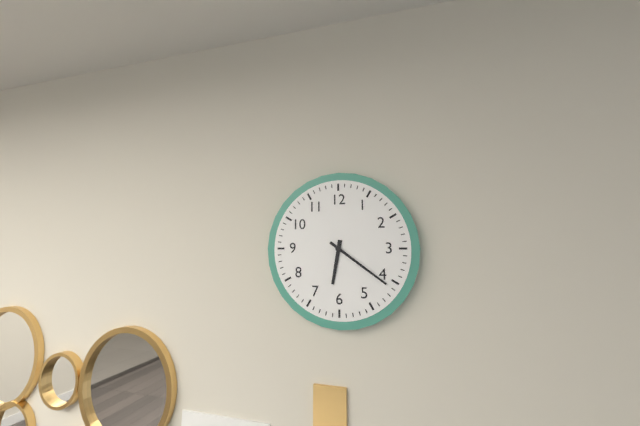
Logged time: 6:21
